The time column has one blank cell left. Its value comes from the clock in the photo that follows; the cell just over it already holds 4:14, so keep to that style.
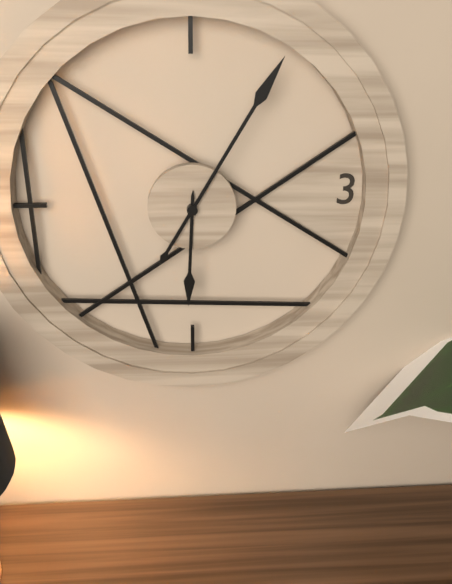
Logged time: 6:05
